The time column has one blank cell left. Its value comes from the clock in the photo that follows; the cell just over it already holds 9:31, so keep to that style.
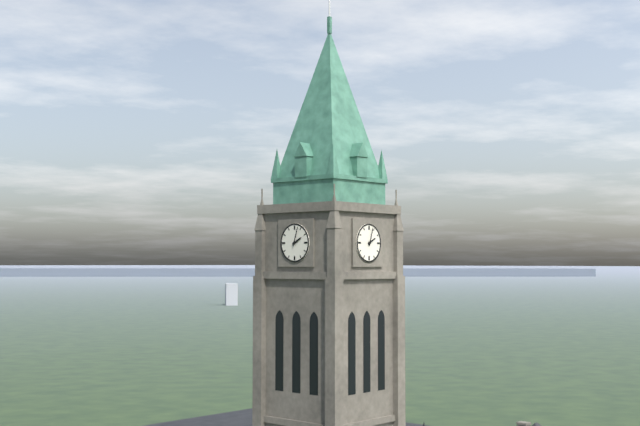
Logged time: 2:03
